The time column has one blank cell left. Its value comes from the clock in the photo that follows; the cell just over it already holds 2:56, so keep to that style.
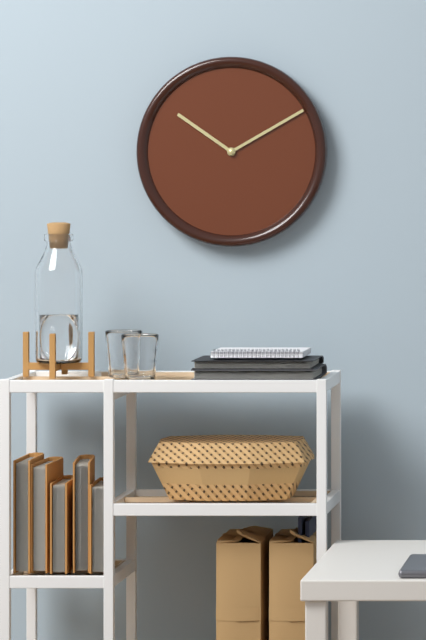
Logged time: 10:10
